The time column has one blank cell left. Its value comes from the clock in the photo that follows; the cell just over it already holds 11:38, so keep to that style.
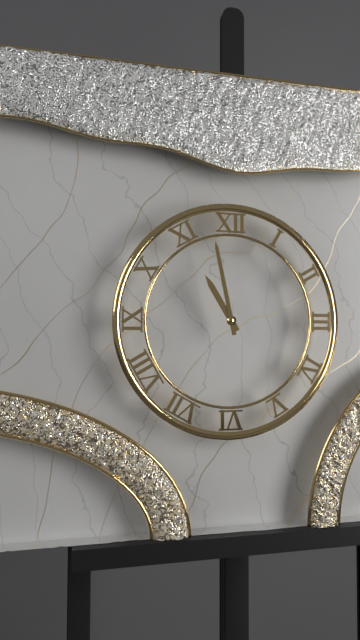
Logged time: 10:58
